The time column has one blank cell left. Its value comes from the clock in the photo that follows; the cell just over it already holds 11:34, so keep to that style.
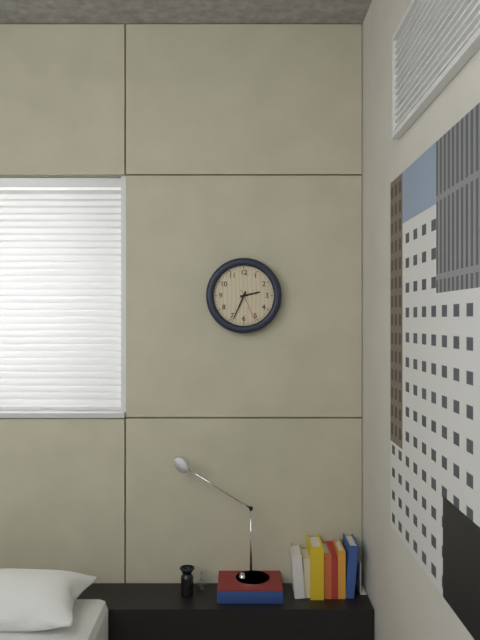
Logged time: 2:34
